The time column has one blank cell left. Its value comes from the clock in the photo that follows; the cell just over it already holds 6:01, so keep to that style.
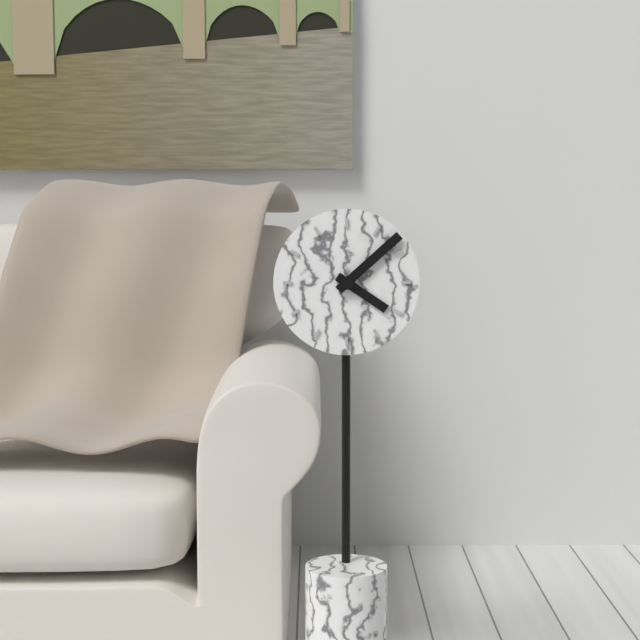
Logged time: 4:08
